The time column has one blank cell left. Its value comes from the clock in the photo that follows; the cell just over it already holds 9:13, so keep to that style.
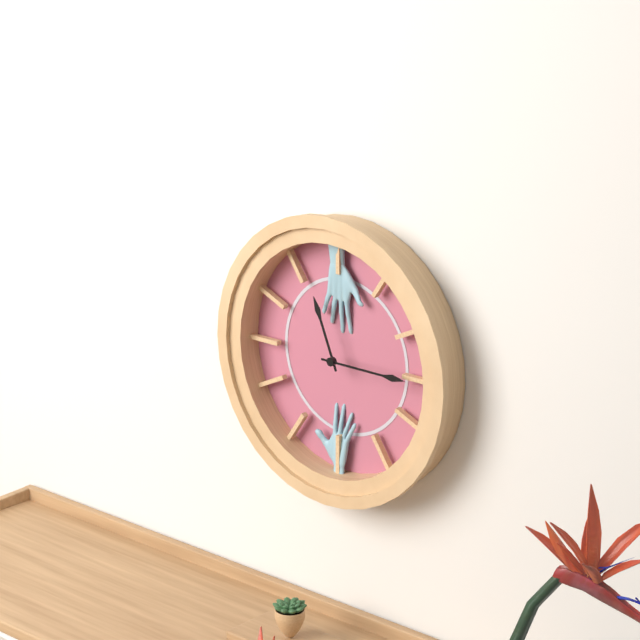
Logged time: 11:15
